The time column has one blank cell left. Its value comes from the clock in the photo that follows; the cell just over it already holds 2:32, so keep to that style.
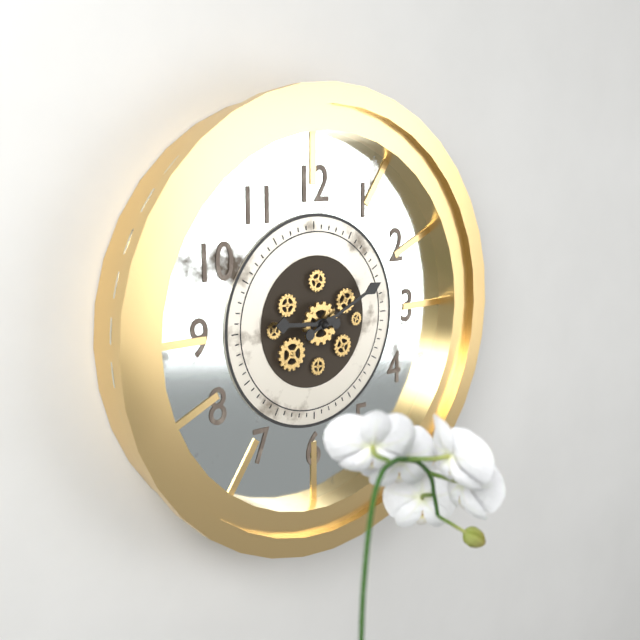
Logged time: 9:11
